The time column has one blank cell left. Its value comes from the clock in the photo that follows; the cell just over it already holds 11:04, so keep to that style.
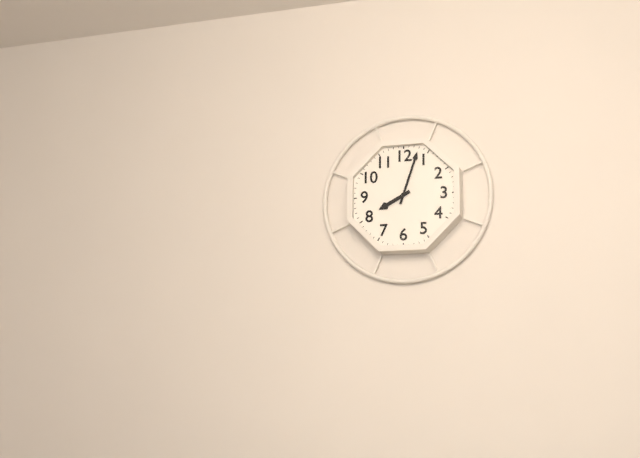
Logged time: 8:03
